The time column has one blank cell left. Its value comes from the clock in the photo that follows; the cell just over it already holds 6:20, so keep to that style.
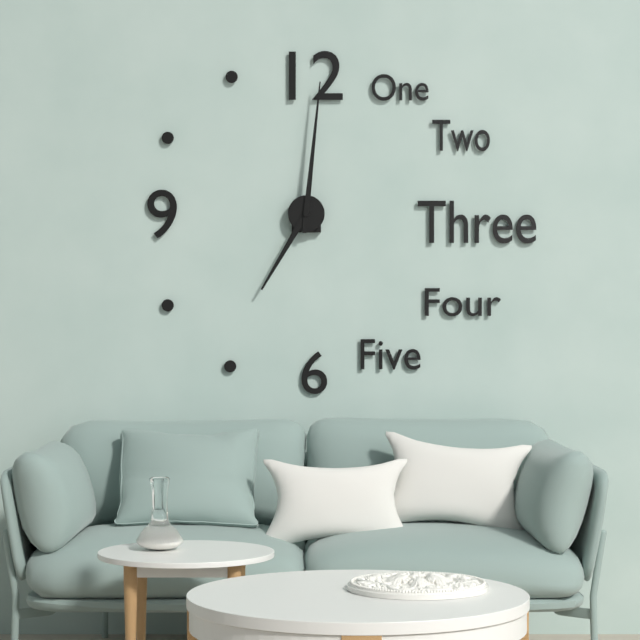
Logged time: 7:01
